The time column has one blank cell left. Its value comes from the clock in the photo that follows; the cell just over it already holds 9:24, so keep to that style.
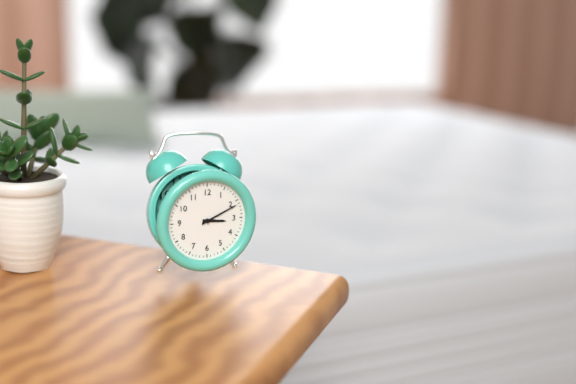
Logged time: 3:11
